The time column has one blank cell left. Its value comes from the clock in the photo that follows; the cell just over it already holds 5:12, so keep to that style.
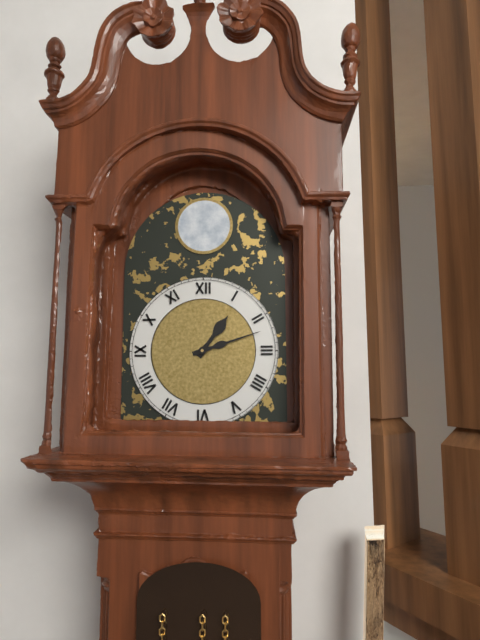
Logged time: 1:12
